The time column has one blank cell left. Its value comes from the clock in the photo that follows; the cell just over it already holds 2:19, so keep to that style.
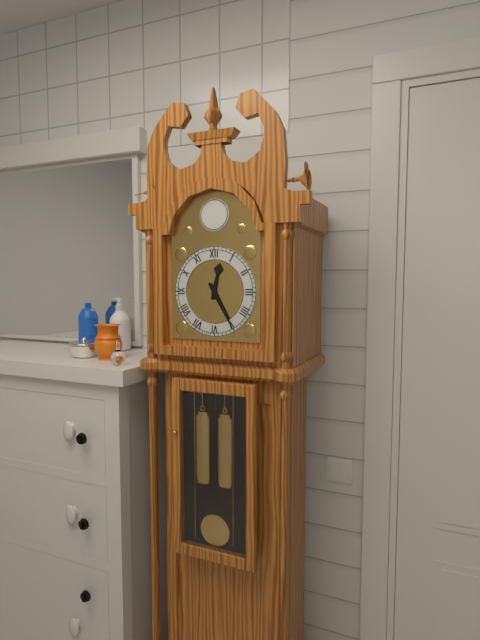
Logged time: 12:25
